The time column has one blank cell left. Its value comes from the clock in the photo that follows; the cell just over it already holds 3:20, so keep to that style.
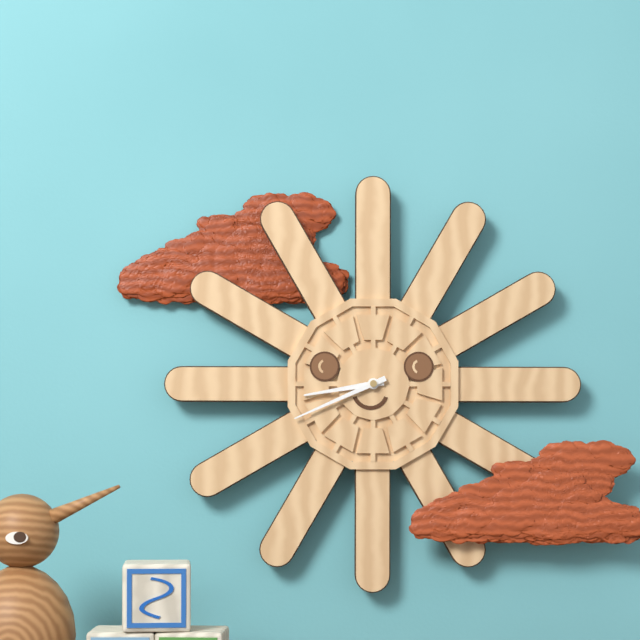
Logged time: 8:41
